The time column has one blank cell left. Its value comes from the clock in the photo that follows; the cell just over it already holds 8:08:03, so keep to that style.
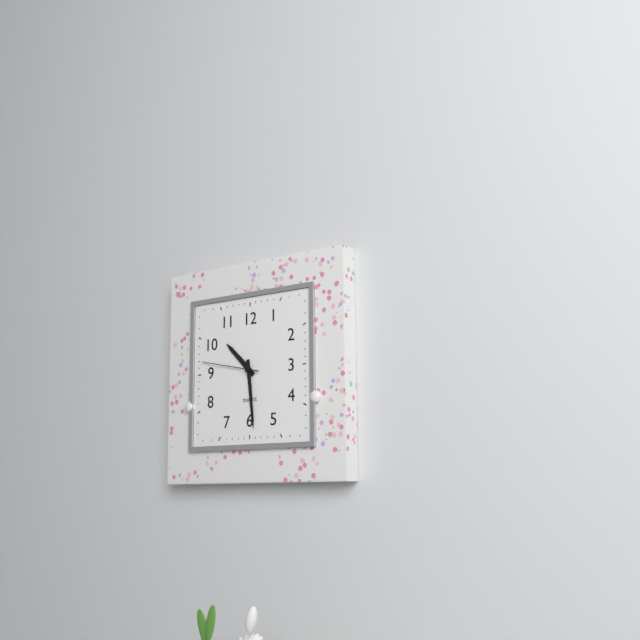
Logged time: 10:29:47
